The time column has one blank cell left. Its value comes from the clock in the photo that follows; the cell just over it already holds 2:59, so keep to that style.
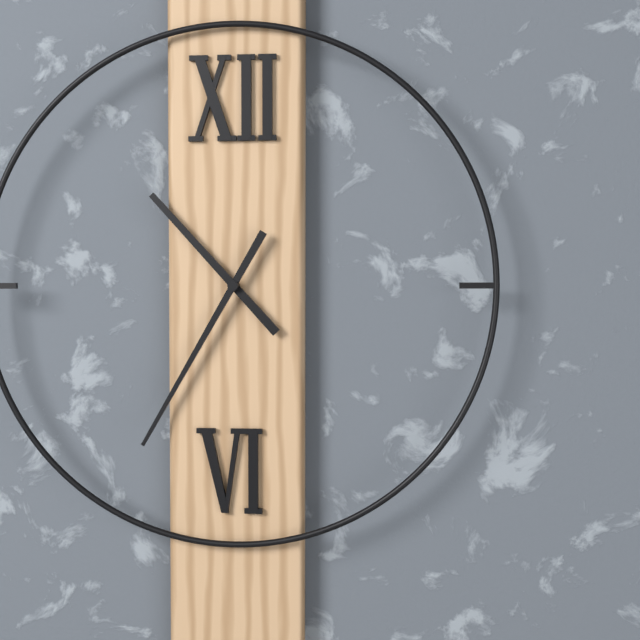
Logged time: 10:35
